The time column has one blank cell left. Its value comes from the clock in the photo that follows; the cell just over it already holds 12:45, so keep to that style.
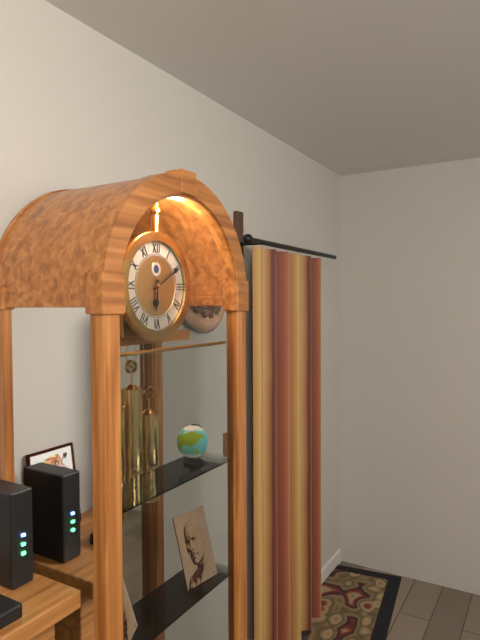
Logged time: 6:10
